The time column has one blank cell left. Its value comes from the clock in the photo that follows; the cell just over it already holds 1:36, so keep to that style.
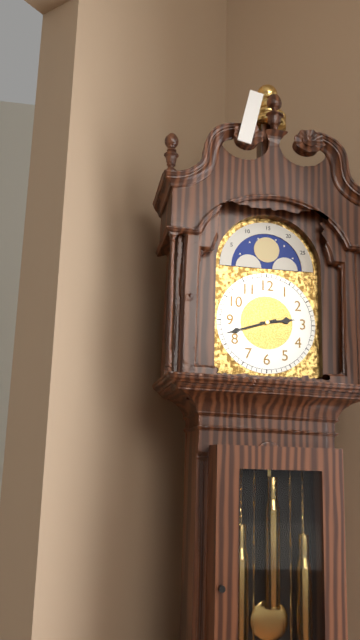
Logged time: 2:42
